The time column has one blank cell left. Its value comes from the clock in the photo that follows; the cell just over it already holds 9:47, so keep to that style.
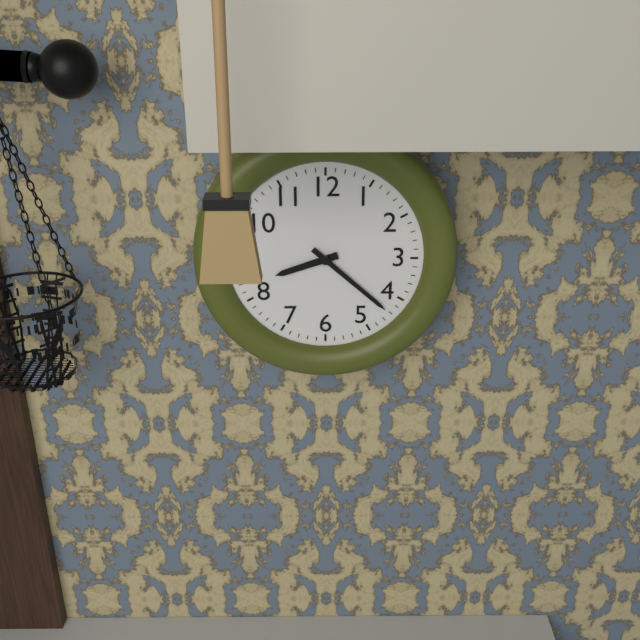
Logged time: 8:22
